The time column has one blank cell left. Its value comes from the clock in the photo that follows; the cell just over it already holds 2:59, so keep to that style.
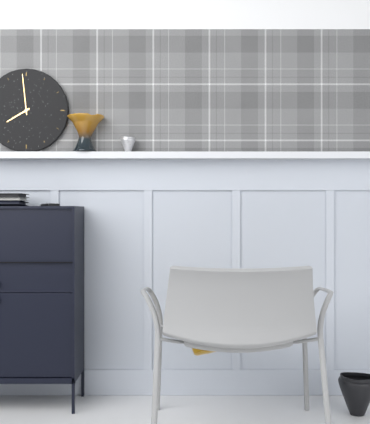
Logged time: 7:59
